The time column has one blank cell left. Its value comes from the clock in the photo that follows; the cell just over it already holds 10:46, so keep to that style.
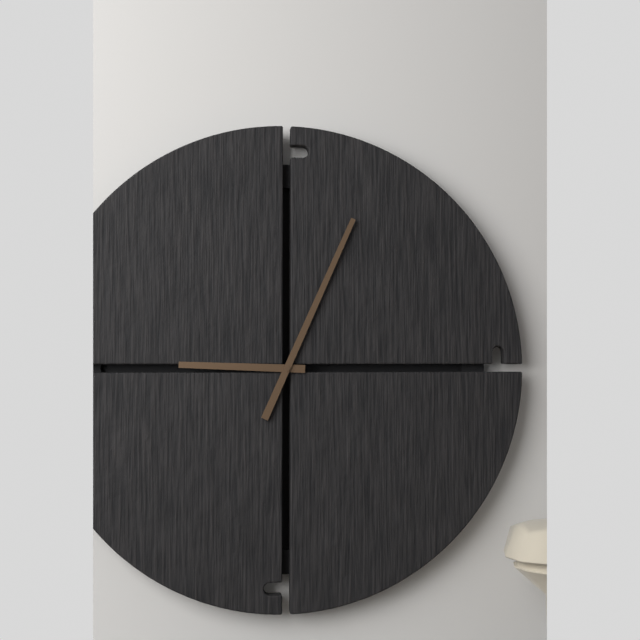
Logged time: 9:04
